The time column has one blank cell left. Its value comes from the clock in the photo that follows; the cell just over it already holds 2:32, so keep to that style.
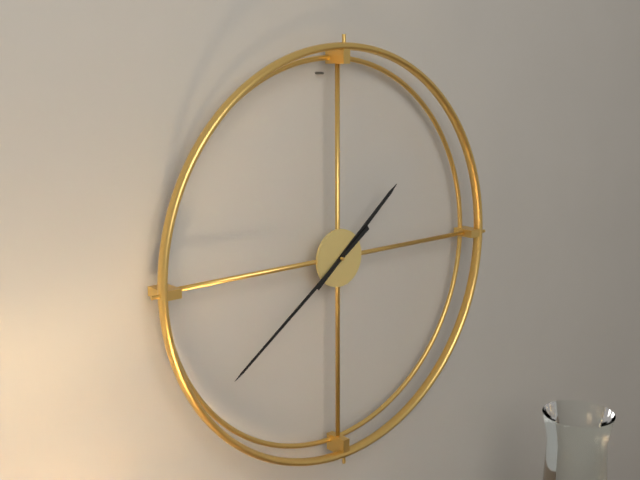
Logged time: 1:39
